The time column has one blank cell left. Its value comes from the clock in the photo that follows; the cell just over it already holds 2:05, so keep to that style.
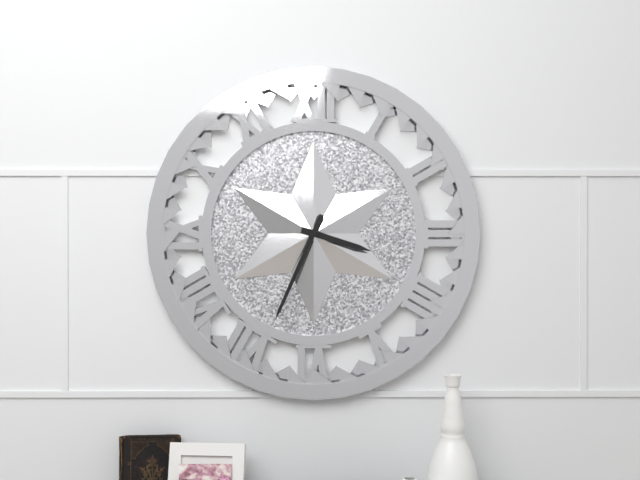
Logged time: 3:34
